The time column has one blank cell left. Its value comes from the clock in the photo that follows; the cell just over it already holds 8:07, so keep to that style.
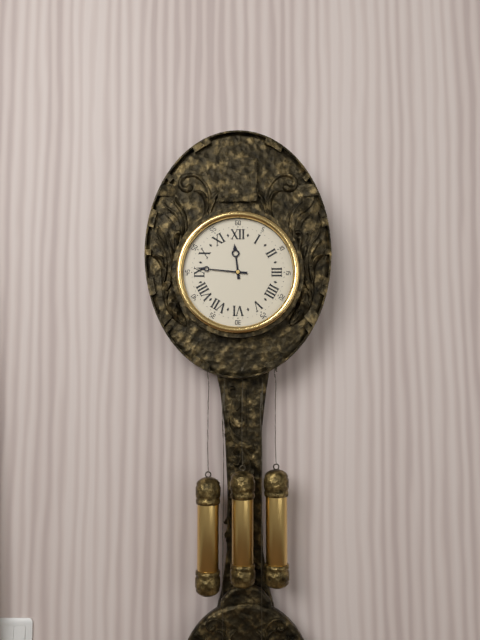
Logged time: 11:46
